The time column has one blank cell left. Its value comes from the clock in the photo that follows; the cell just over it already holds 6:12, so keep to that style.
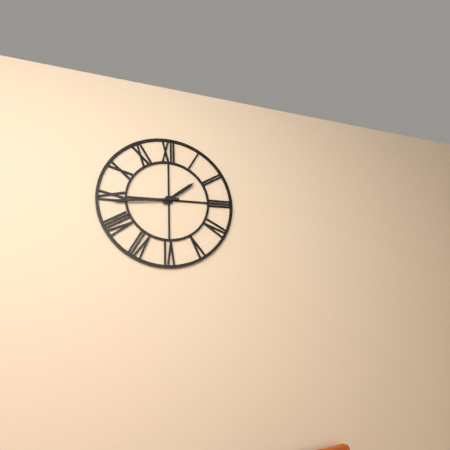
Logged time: 1:44
